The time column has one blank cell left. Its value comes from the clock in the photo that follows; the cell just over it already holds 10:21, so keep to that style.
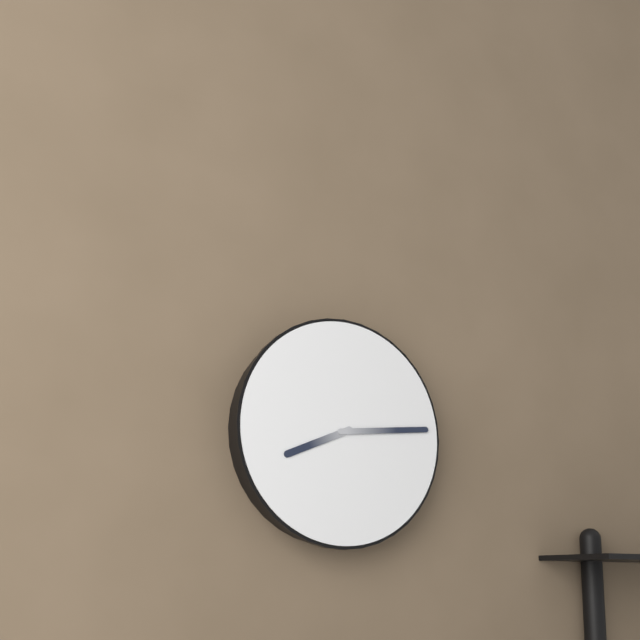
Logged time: 8:14
